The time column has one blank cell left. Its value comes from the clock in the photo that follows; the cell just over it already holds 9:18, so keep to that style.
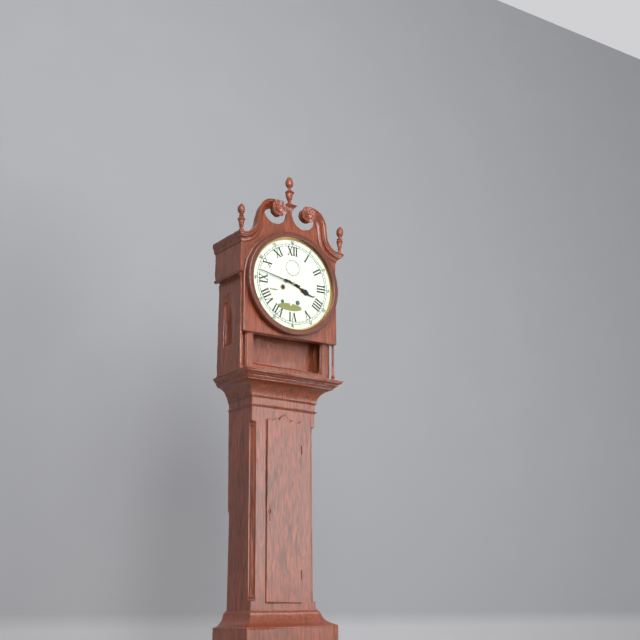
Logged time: 3:47
